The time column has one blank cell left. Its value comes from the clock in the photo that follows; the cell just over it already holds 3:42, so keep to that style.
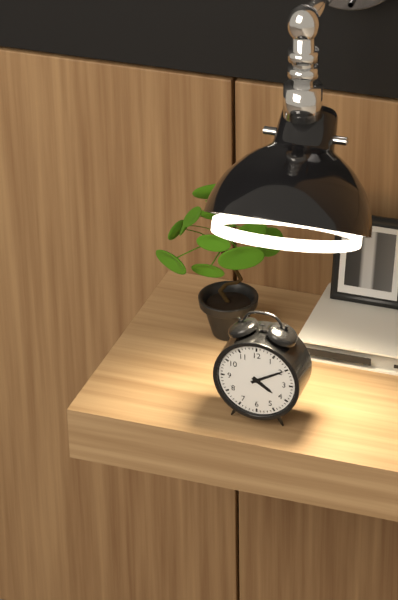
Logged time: 4:10
